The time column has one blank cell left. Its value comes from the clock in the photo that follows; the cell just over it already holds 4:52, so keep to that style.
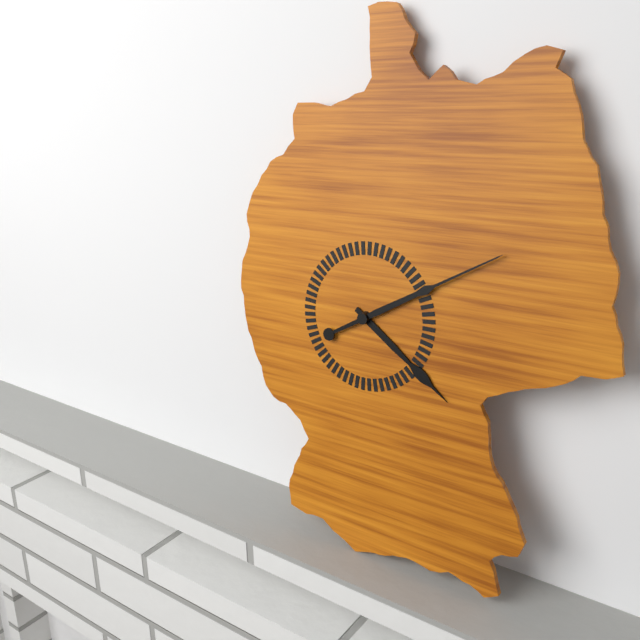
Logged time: 4:10
